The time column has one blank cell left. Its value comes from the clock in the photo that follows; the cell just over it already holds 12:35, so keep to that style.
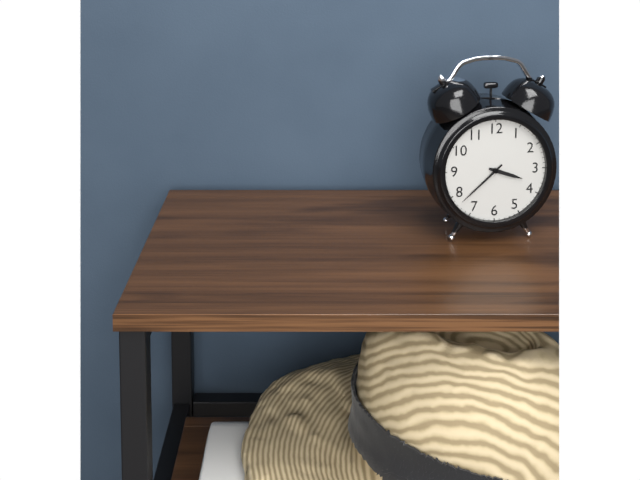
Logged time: 3:38
